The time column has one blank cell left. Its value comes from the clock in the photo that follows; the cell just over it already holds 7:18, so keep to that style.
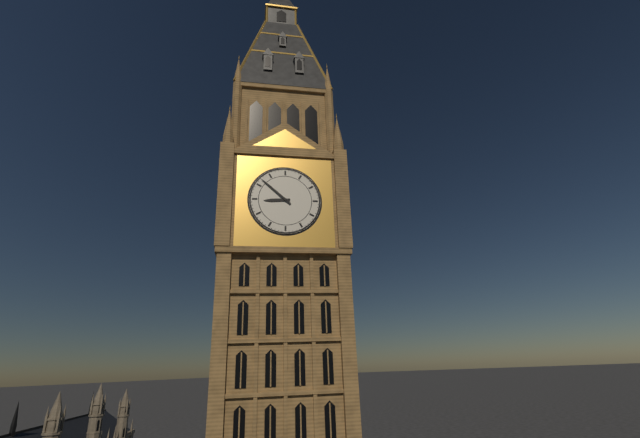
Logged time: 8:52
